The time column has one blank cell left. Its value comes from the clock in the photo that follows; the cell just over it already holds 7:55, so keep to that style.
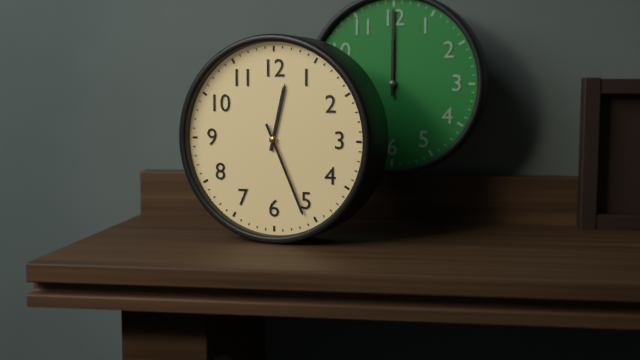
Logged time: 12:26
